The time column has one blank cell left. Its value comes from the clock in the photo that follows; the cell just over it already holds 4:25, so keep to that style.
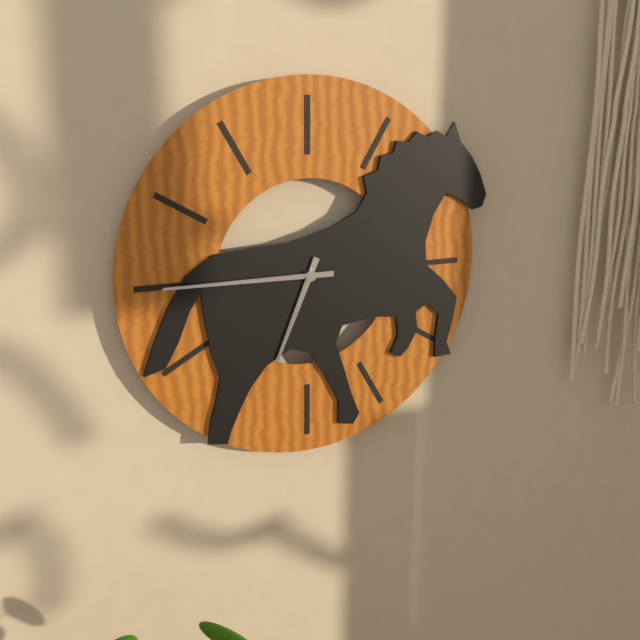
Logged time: 6:45
